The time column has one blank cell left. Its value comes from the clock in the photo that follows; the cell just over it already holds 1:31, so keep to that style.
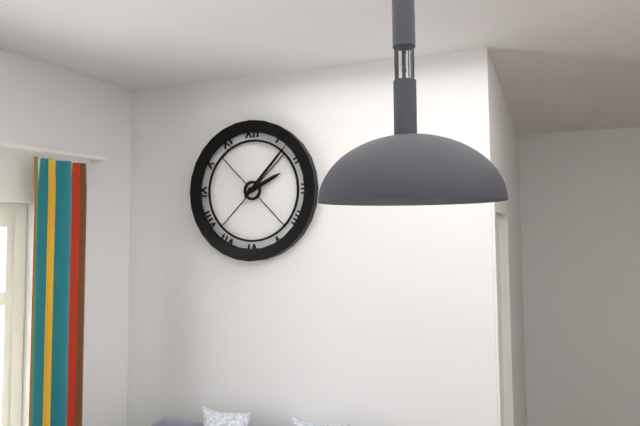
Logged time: 2:07
